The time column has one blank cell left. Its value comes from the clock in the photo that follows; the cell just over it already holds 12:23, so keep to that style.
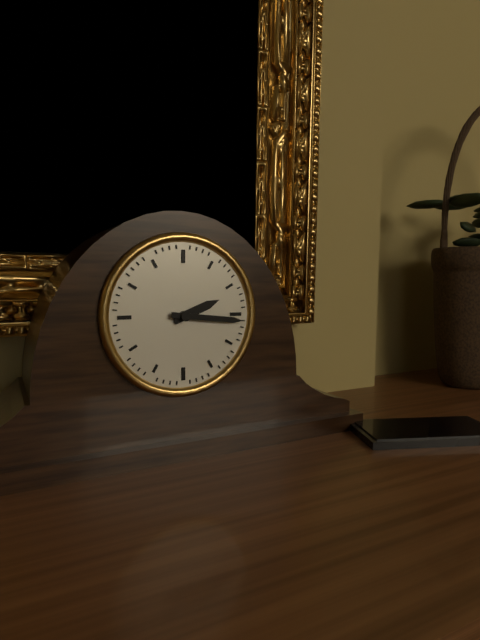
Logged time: 2:16
